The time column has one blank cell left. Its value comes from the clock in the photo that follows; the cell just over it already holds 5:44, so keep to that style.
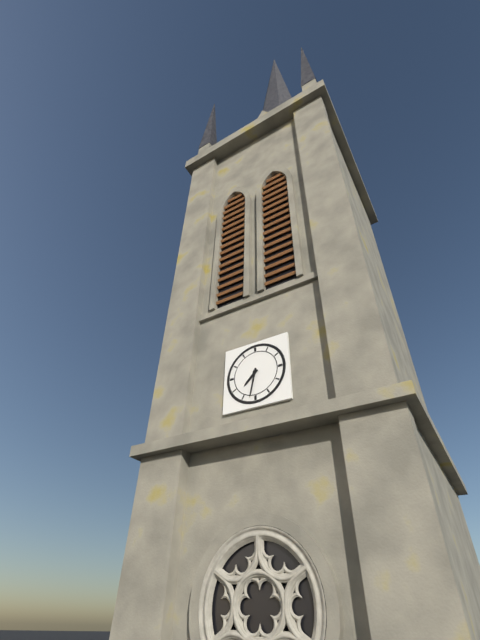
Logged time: 7:32
